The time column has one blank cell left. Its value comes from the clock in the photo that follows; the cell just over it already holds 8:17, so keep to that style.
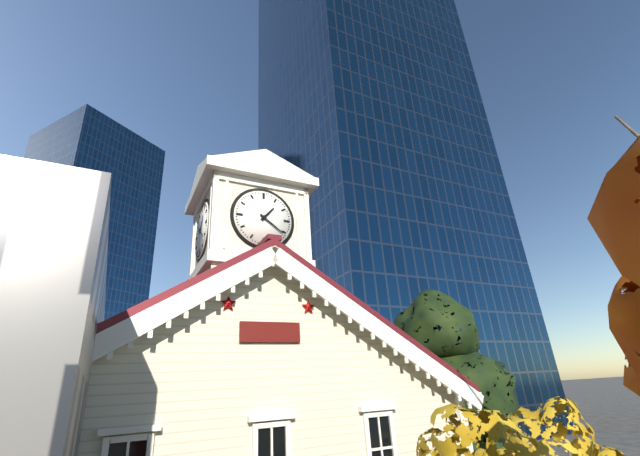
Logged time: 1:21
